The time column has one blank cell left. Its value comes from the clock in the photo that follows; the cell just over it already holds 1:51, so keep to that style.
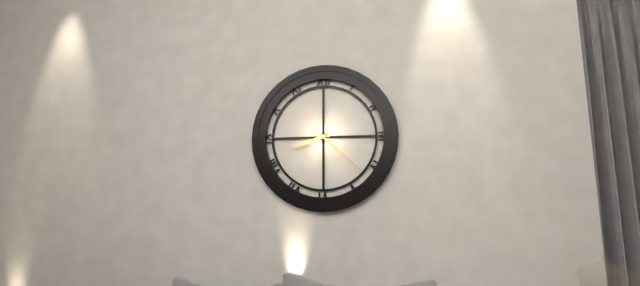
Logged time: 8:22
